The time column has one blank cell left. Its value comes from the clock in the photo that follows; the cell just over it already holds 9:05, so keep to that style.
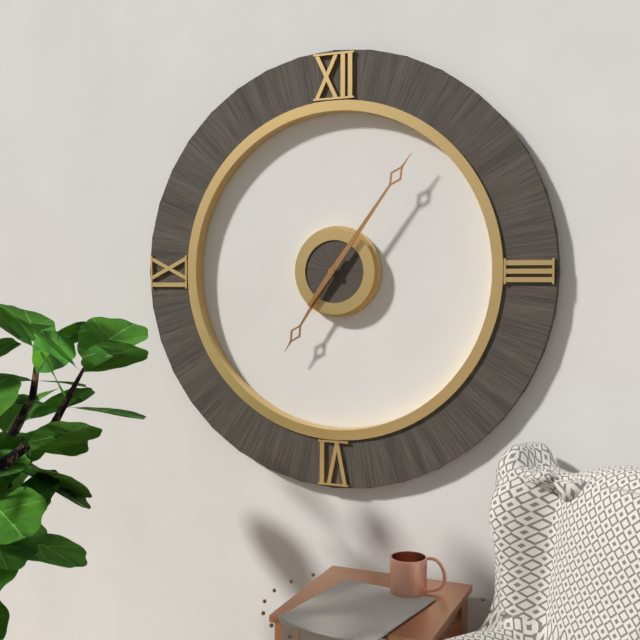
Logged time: 7:06
